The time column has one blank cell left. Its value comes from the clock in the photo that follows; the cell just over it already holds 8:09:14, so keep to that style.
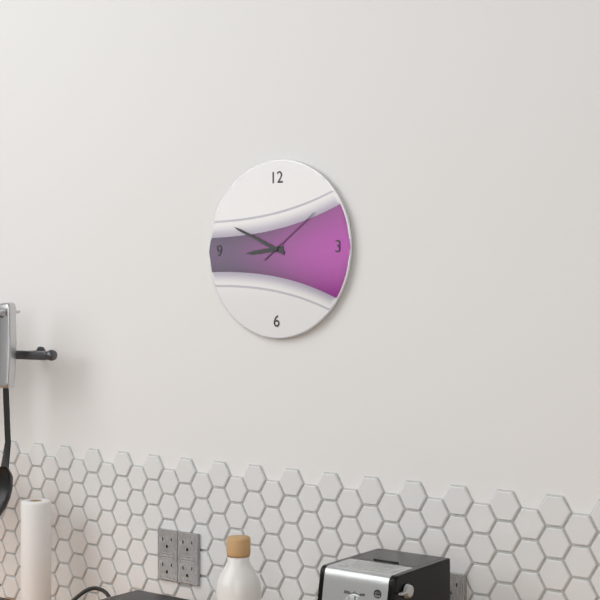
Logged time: 8:49:09
